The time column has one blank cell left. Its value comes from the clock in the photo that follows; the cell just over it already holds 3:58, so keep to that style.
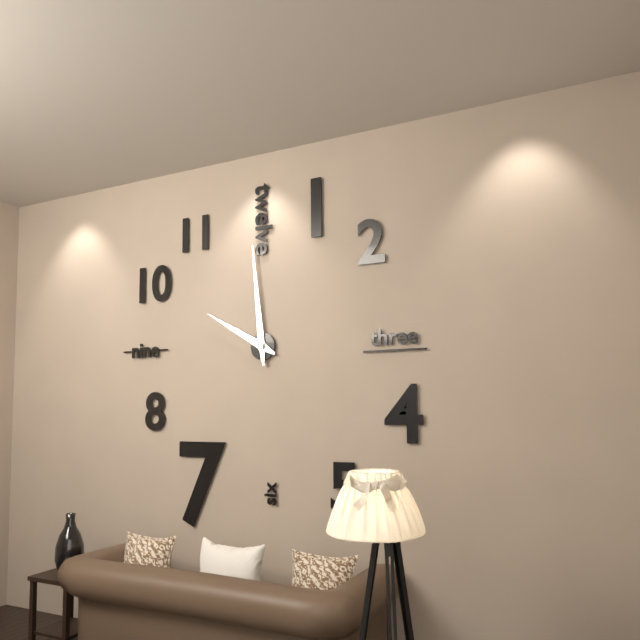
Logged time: 9:59
